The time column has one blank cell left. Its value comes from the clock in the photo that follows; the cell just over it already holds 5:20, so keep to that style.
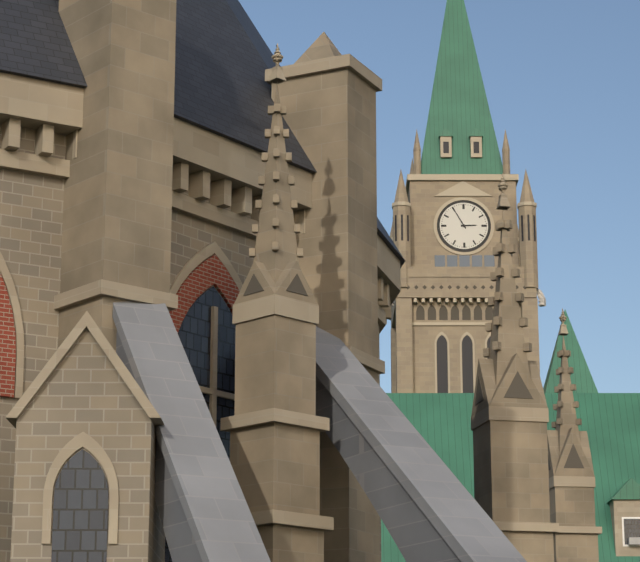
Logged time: 2:55
